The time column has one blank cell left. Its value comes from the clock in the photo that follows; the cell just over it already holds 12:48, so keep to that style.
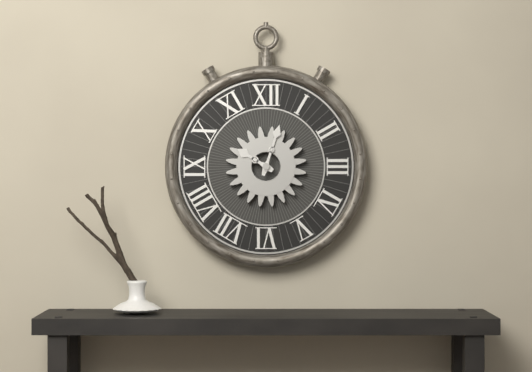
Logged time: 10:03
